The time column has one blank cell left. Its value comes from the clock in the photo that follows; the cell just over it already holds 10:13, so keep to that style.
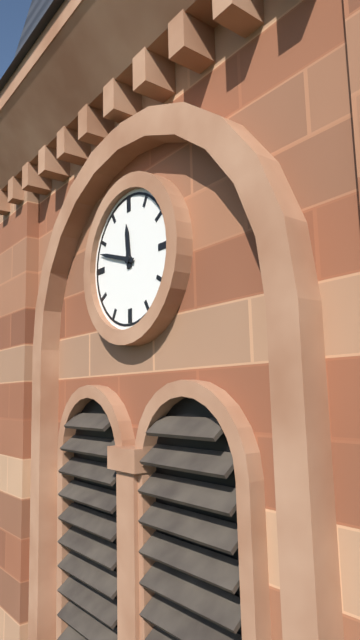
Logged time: 11:48
